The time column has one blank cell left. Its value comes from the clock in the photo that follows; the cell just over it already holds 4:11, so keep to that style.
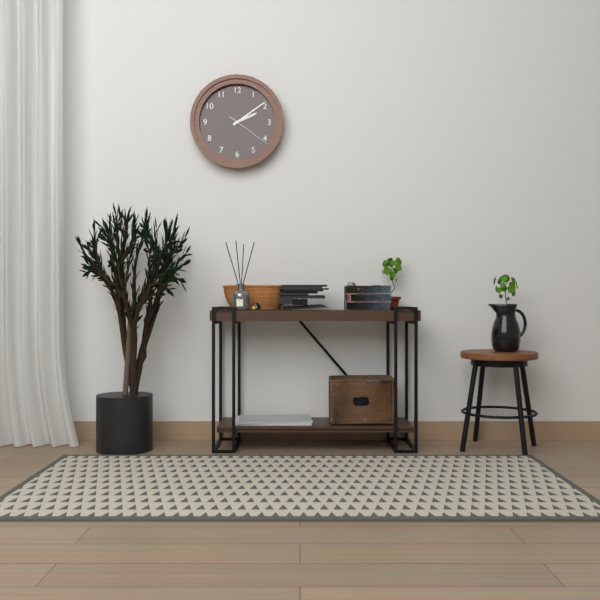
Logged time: 2:09
